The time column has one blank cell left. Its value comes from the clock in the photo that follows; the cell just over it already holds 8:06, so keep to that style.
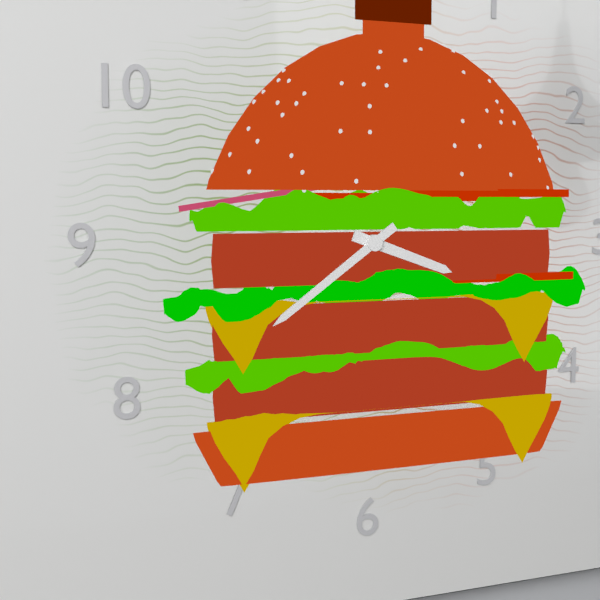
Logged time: 3:39
